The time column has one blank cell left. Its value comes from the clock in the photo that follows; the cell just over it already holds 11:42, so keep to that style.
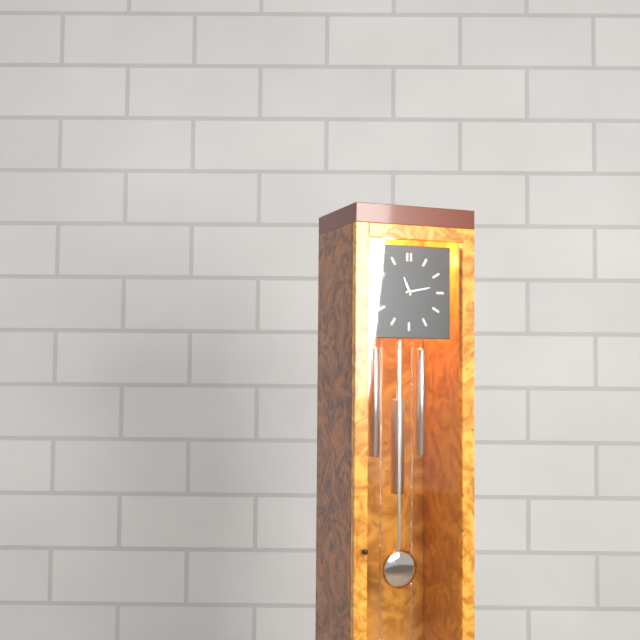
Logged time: 11:13
